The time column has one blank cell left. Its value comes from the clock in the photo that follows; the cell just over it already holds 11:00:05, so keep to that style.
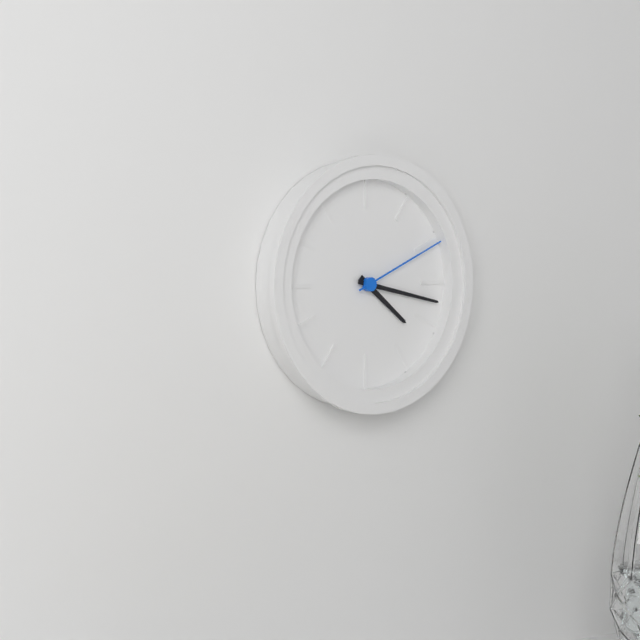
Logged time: 4:17:11
